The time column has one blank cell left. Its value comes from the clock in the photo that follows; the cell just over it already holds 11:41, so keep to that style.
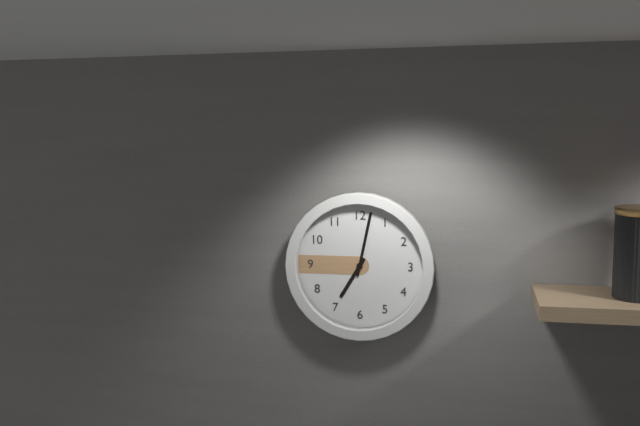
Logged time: 7:02
